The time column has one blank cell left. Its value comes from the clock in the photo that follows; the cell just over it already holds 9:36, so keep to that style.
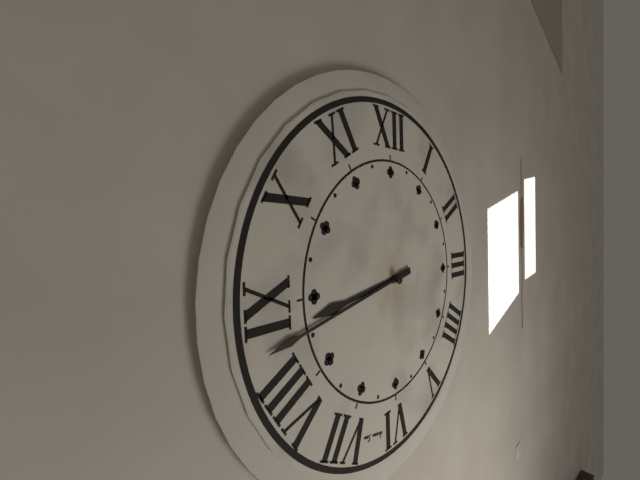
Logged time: 8:43
